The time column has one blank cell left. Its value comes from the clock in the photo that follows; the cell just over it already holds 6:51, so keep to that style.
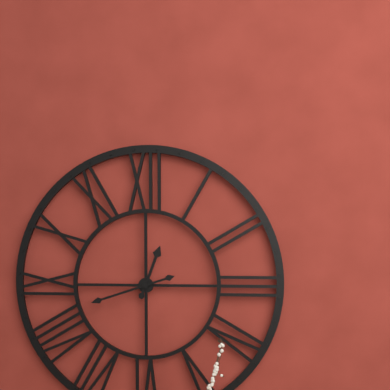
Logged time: 12:42
